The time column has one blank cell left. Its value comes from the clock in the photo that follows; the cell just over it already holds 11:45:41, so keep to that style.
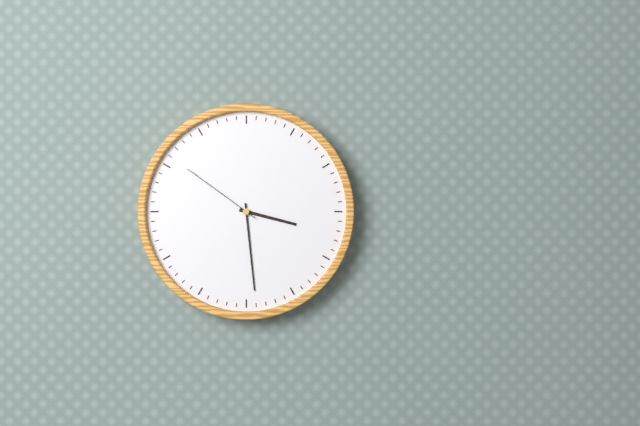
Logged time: 3:29:51
